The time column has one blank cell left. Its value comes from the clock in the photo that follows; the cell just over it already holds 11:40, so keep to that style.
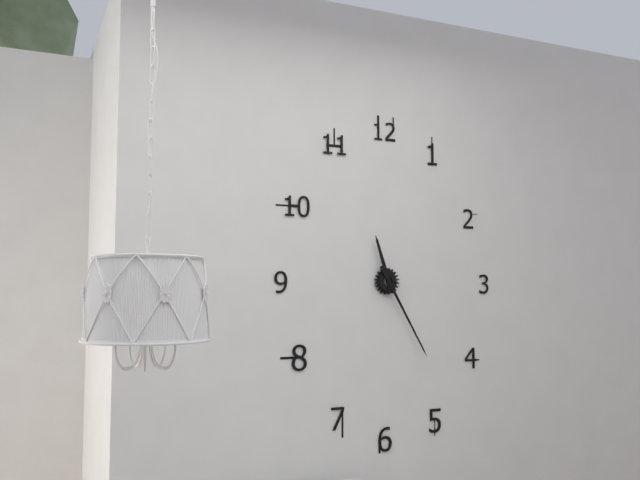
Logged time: 11:25
